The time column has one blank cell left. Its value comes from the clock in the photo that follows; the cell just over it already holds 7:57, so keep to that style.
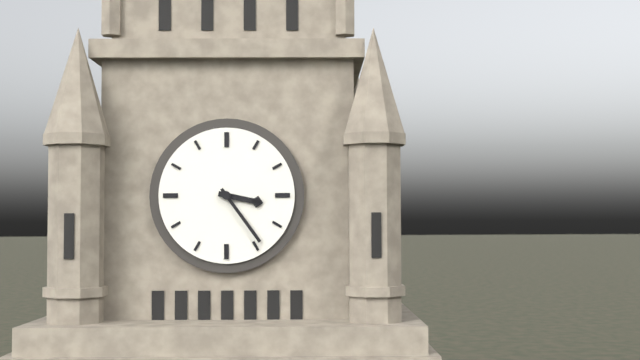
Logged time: 3:24
